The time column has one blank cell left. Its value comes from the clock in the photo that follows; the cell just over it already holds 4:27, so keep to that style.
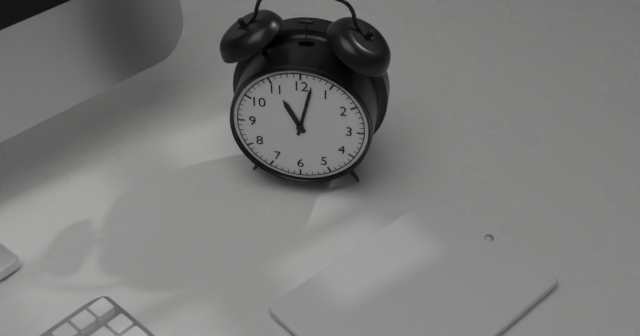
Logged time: 11:02
